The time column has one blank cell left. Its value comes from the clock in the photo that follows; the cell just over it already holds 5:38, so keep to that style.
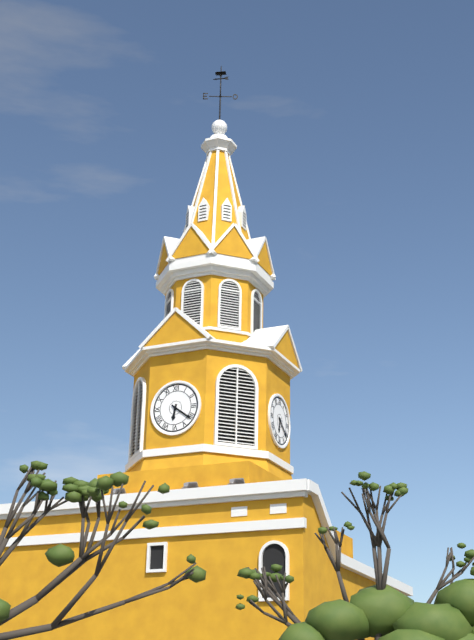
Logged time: 6:21
